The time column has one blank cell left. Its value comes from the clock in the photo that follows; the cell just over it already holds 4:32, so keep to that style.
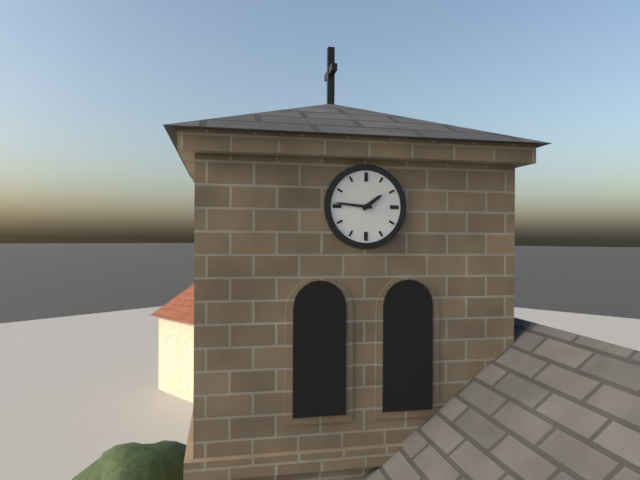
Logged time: 1:46
